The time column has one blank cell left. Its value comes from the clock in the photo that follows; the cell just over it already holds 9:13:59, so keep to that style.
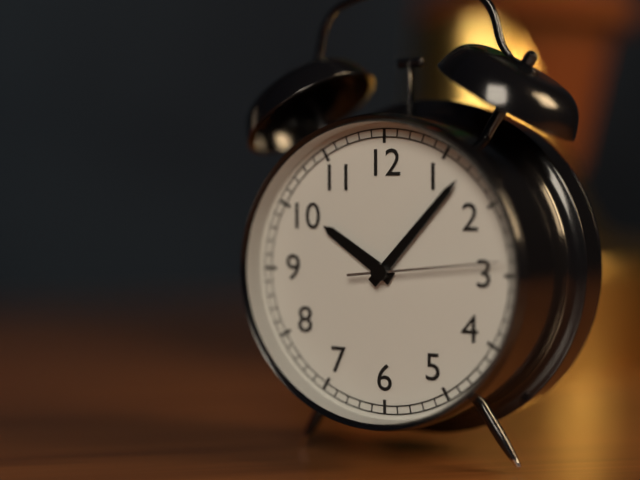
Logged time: 10:07:14
